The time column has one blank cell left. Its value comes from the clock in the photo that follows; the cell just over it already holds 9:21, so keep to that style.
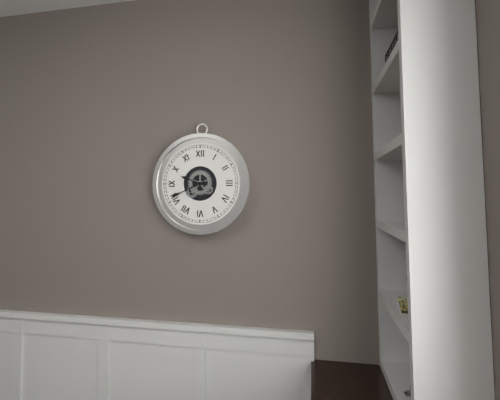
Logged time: 9:41
